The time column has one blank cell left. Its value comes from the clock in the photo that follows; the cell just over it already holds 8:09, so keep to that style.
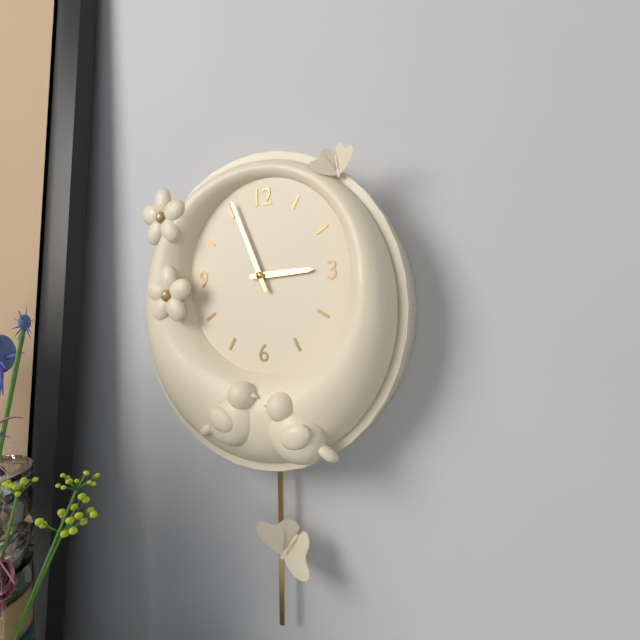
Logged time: 2:56
